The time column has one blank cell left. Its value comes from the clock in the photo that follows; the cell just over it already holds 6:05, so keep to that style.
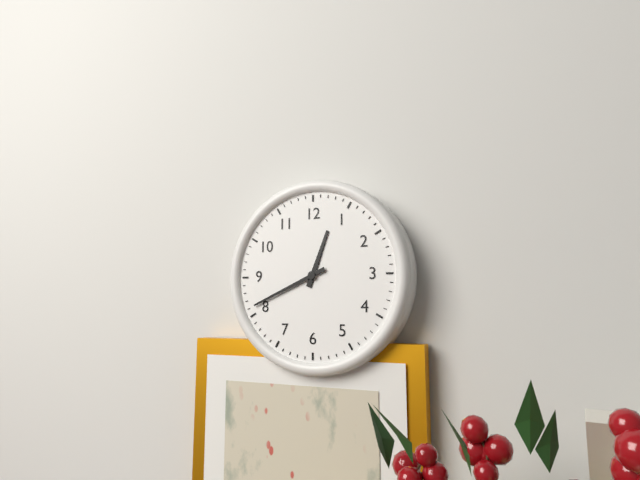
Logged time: 12:41
